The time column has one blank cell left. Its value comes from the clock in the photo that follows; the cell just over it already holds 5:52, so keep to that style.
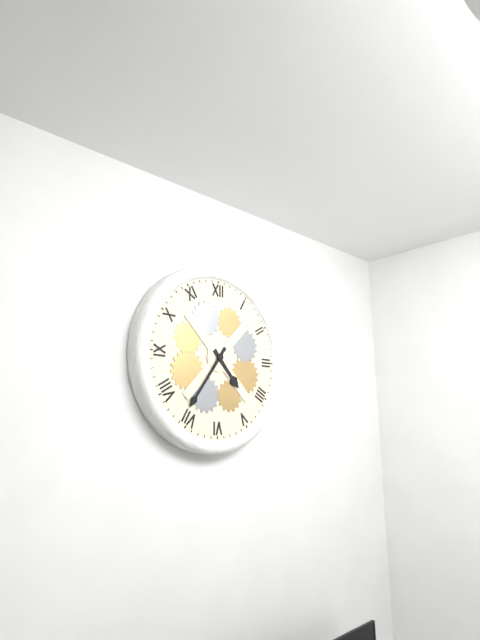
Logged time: 4:36
